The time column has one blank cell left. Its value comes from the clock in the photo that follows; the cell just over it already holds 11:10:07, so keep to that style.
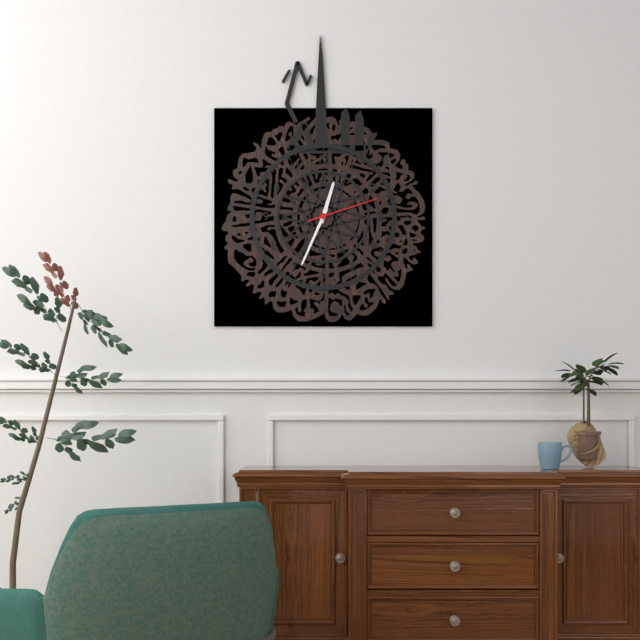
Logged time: 12:34:12
